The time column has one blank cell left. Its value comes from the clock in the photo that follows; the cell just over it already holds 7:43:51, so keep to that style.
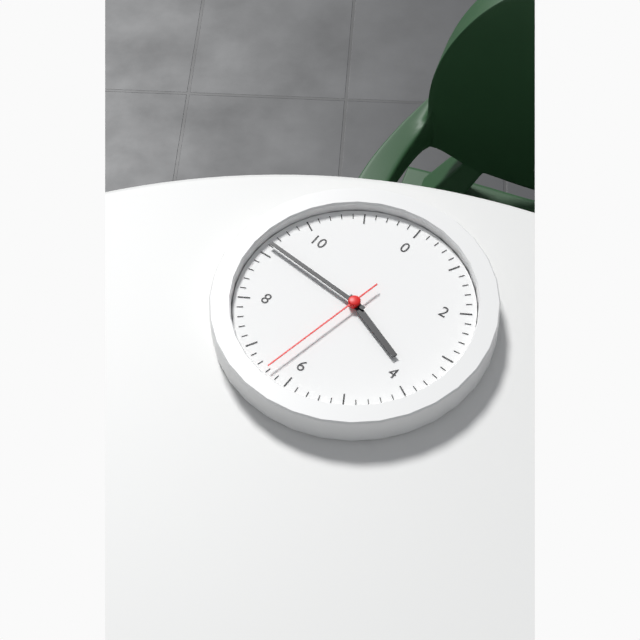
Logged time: 3:46:32
